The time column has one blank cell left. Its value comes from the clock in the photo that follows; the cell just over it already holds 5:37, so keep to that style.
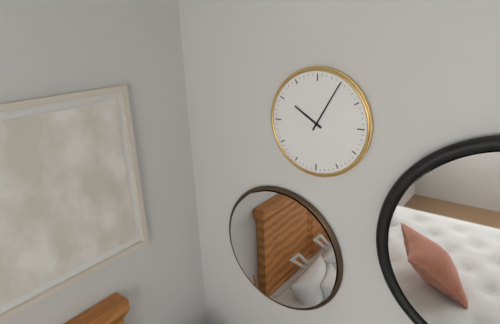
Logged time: 10:05
